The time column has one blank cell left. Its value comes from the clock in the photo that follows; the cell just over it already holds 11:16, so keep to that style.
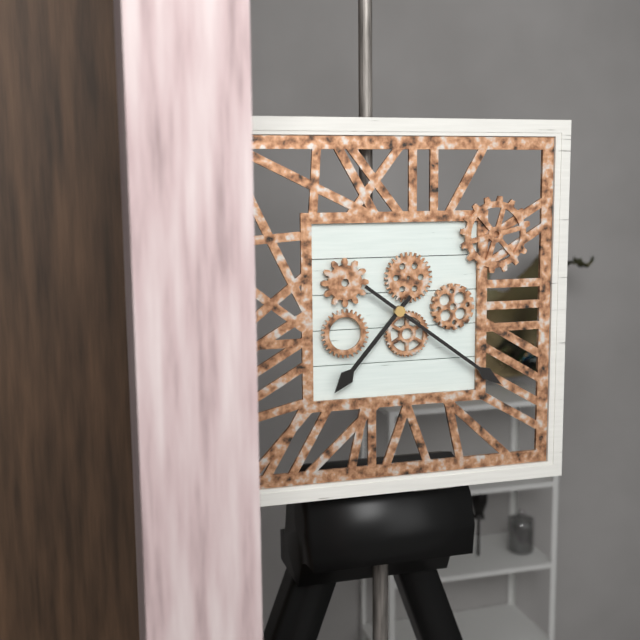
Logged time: 7:21
